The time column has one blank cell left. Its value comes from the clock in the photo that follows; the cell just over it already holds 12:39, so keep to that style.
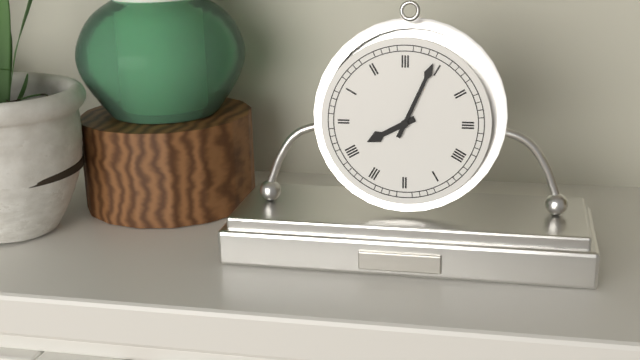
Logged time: 8:04
